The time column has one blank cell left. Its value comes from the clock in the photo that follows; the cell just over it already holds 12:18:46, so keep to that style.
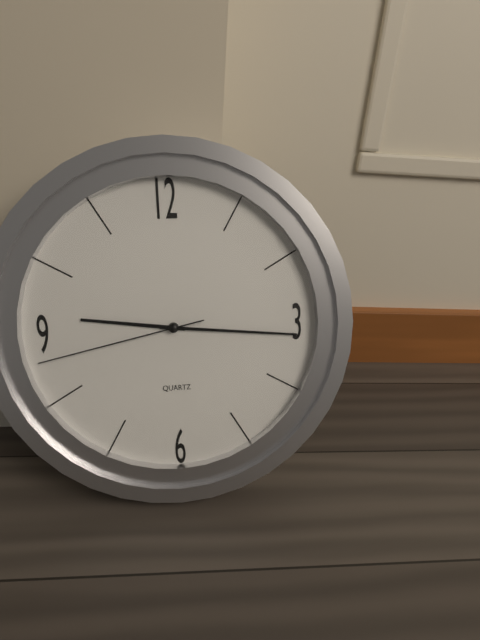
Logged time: 9:16:43
